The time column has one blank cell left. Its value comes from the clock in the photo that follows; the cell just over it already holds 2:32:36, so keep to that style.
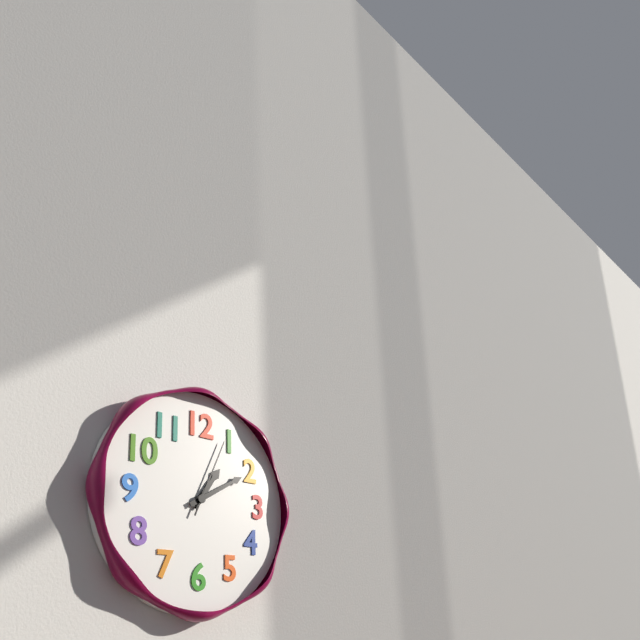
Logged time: 1:10:04
